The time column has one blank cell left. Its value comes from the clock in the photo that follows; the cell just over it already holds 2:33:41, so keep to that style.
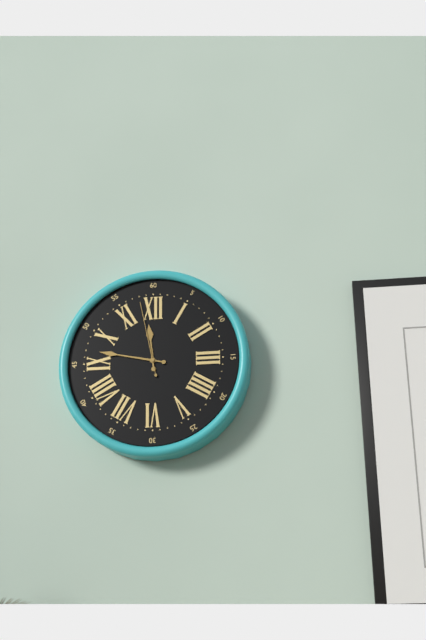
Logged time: 11:47:58
